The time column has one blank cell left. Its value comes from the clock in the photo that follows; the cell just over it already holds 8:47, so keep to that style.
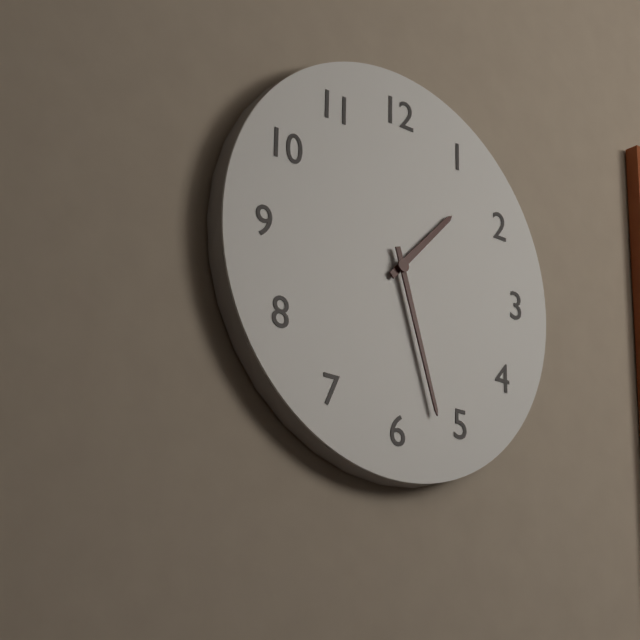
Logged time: 1:27
